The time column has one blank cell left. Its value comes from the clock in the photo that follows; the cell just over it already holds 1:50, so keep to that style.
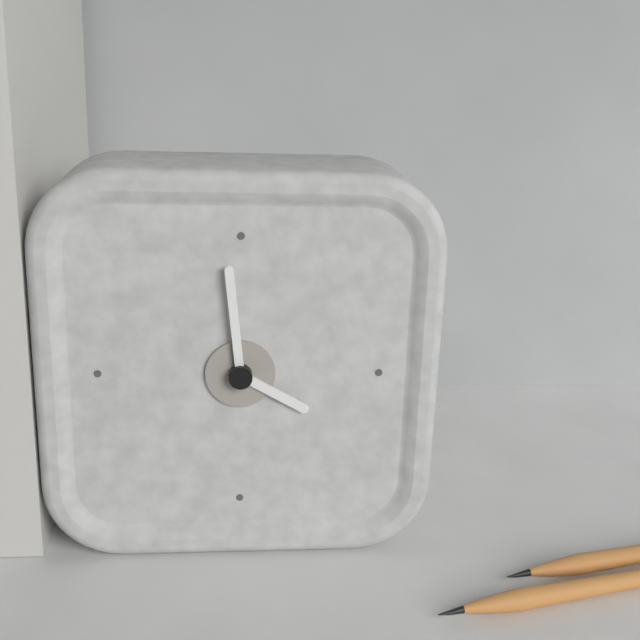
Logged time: 3:59
